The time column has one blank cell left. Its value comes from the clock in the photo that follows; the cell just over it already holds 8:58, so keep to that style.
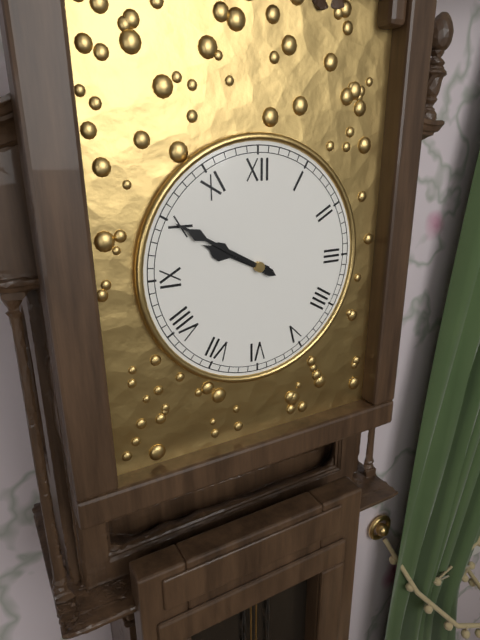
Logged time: 9:50
